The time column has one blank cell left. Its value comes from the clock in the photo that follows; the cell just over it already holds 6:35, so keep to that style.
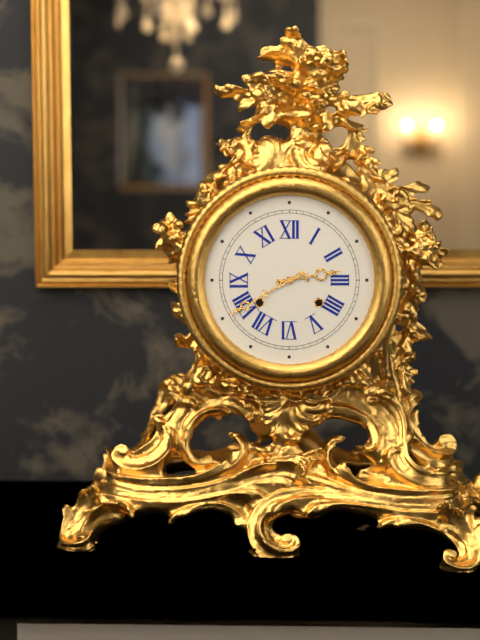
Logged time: 2:40
